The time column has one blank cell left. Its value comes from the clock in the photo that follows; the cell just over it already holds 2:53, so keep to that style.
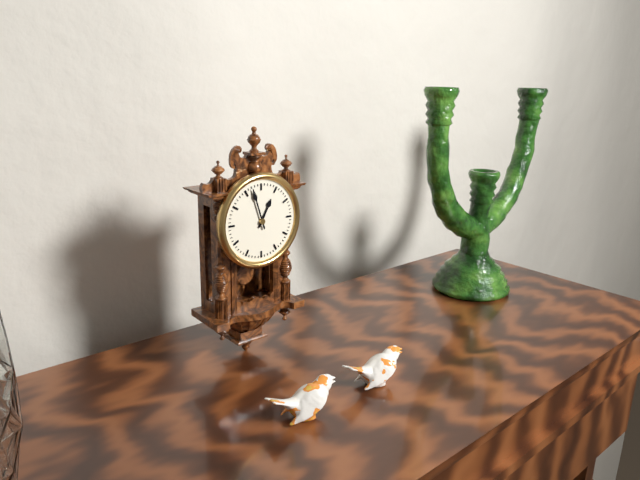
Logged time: 12:57
